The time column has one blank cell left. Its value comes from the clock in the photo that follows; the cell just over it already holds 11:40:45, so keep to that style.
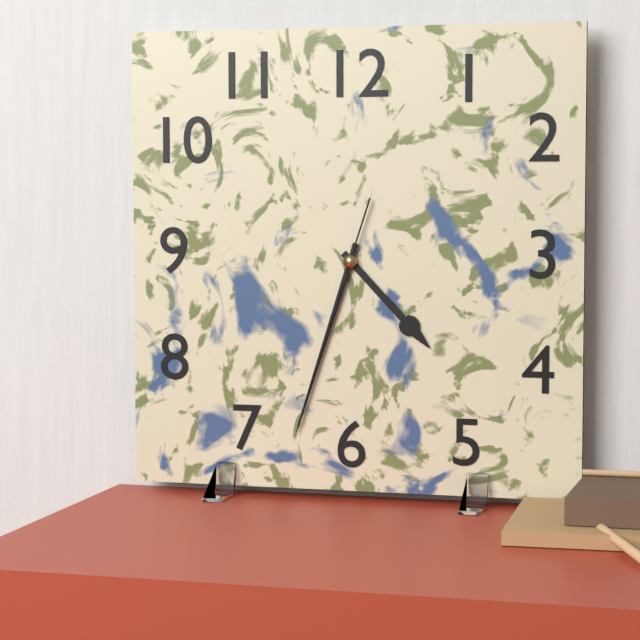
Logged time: 4:33:33
